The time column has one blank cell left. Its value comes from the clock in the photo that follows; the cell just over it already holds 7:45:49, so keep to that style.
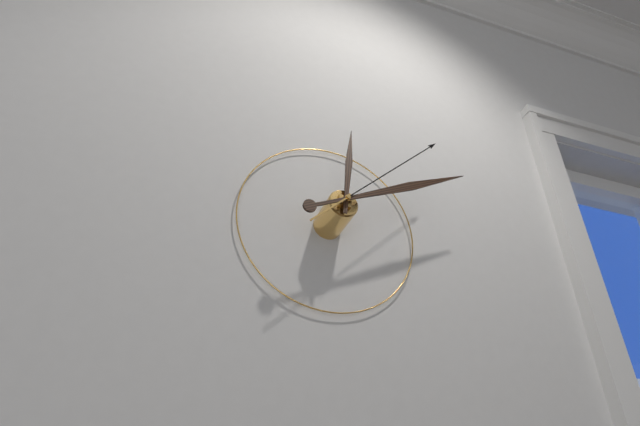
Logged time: 12:11:08
